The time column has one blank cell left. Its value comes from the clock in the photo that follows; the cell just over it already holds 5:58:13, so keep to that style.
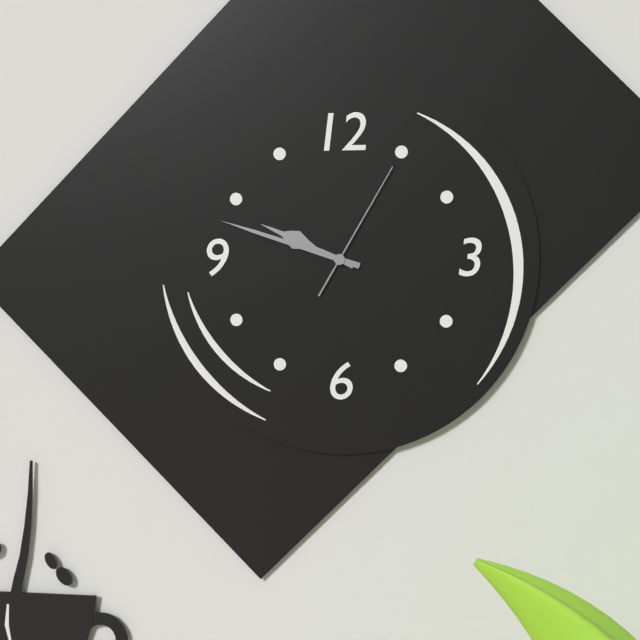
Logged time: 9:48:05
